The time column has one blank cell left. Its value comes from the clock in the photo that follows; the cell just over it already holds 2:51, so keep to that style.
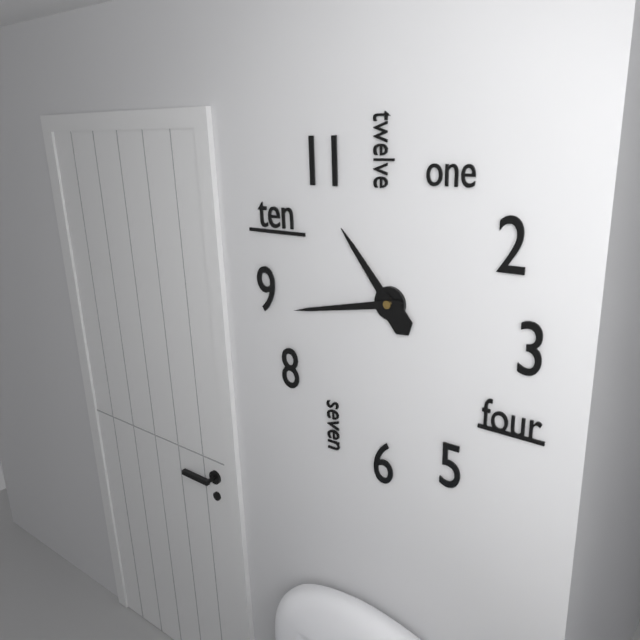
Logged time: 10:43
